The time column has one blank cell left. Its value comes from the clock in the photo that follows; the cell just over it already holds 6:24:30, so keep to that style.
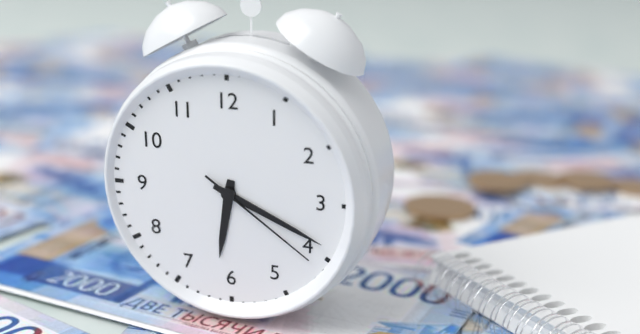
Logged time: 6:19:21
